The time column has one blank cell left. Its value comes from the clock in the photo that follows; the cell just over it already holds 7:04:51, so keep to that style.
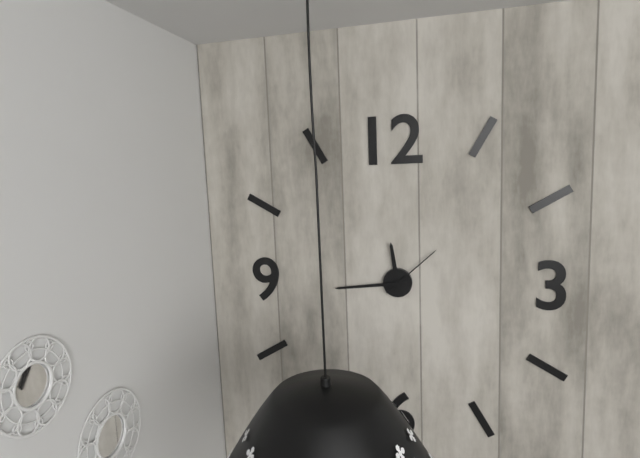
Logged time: 11:44:08
